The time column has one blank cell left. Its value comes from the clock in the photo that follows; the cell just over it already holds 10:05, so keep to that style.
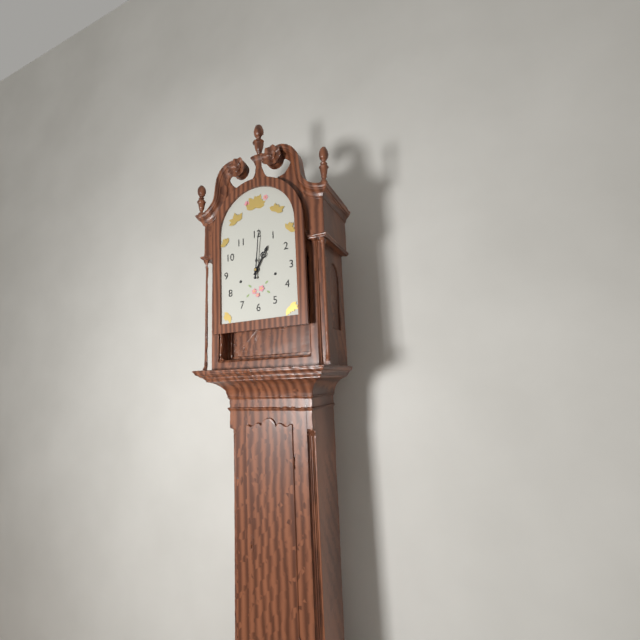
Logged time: 1:01
